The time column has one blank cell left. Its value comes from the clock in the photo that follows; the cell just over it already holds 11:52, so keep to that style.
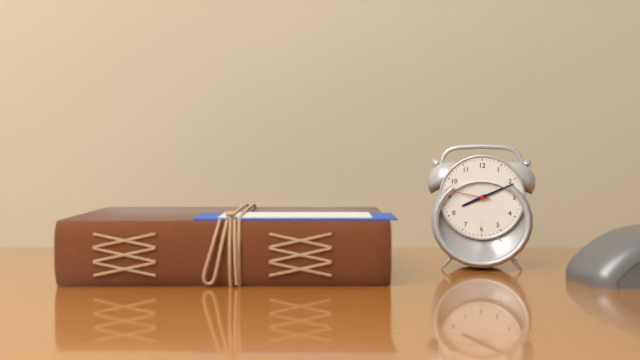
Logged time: 8:11
